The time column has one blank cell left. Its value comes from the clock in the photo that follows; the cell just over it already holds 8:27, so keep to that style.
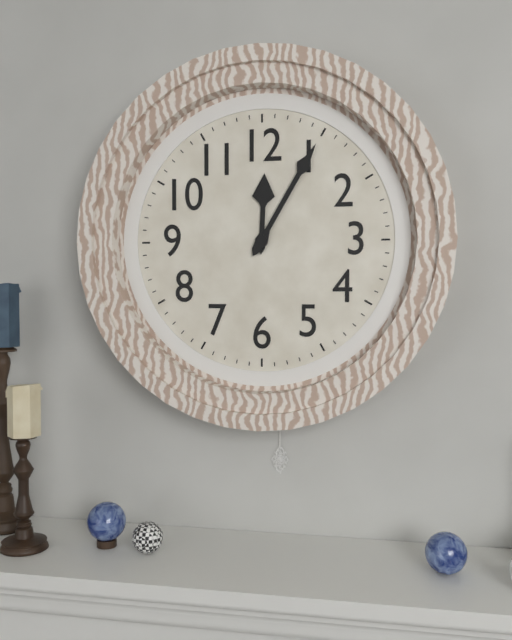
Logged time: 12:05
